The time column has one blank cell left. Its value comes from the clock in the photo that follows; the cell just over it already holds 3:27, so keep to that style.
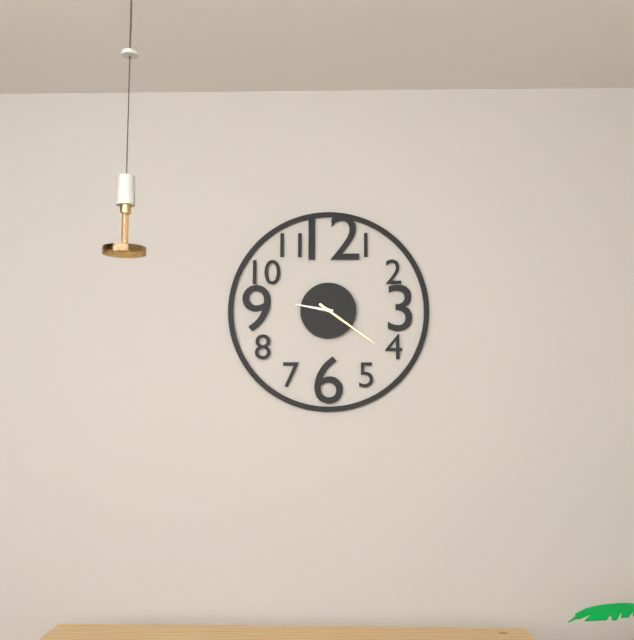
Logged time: 9:21
